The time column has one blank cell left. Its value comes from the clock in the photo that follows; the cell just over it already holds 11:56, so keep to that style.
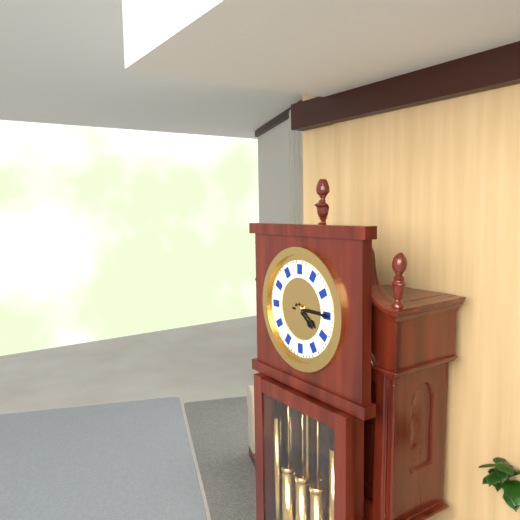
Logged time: 4:15
